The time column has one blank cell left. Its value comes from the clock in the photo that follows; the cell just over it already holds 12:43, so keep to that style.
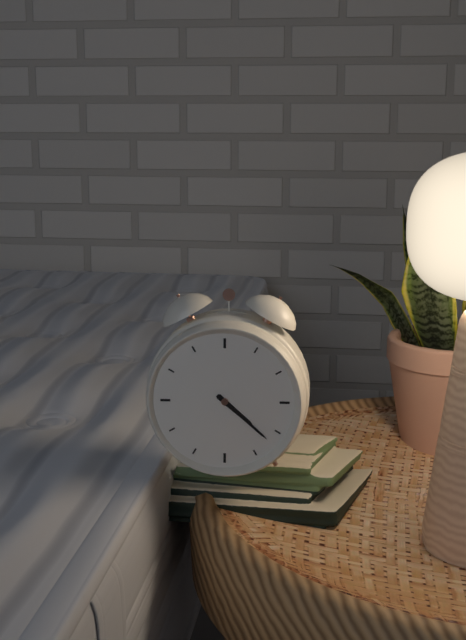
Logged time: 4:22
